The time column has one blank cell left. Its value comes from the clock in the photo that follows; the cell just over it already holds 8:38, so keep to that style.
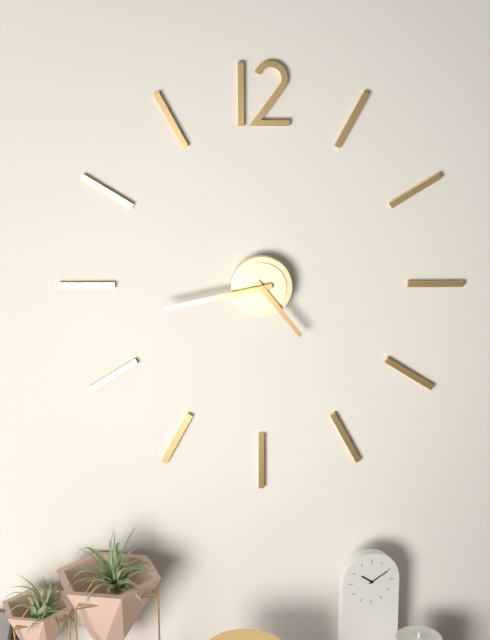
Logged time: 4:43
